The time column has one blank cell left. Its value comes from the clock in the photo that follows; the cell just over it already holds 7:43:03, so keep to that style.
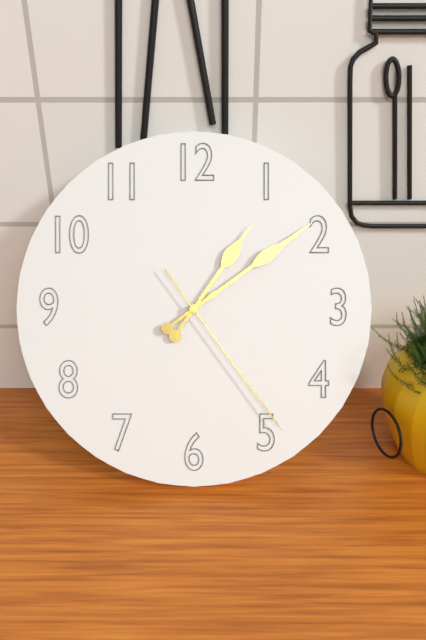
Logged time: 1:09:24
